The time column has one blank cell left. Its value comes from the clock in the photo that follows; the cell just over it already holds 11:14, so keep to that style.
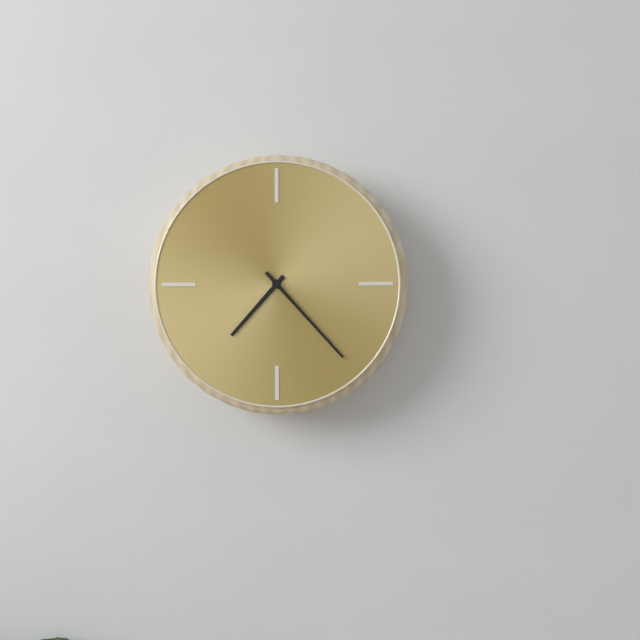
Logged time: 7:23
